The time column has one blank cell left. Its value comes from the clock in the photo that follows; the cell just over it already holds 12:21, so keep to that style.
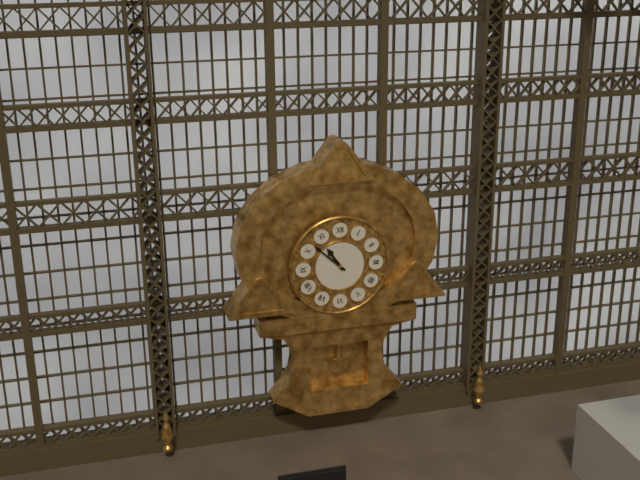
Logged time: 10:52
